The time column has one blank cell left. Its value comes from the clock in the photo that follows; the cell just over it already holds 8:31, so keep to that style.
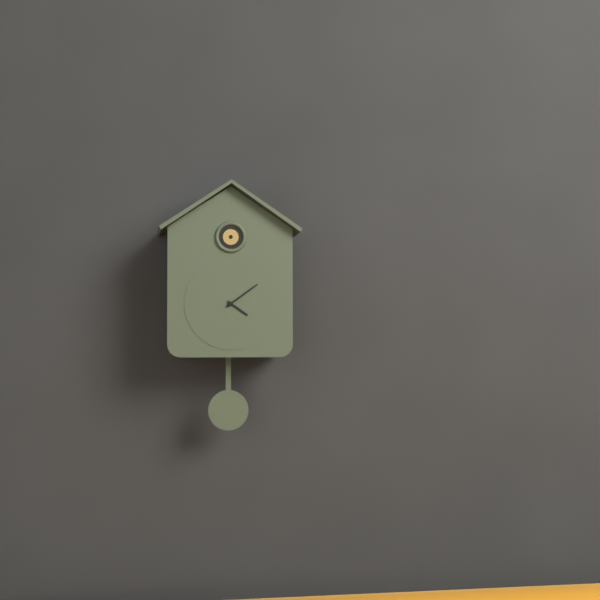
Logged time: 4:09
